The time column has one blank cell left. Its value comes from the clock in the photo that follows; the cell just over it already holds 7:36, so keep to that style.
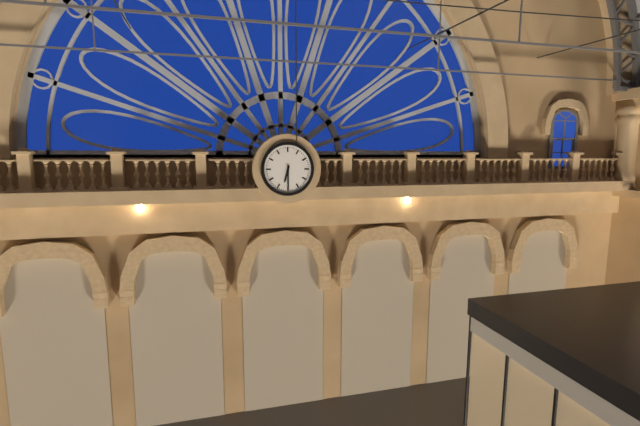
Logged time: 6:30
